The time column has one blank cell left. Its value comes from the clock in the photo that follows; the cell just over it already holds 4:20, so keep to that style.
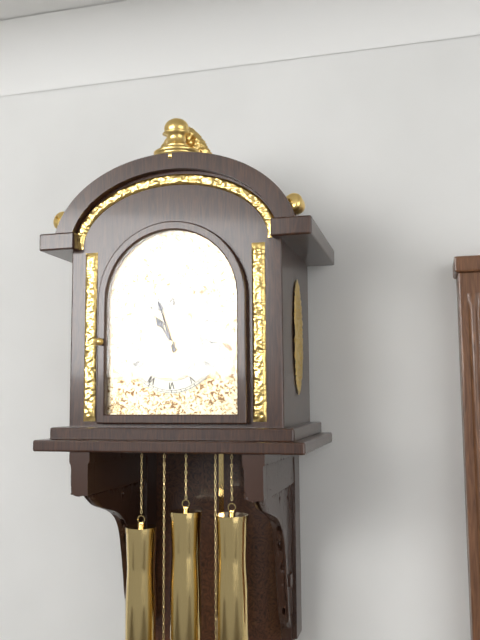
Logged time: 10:57
